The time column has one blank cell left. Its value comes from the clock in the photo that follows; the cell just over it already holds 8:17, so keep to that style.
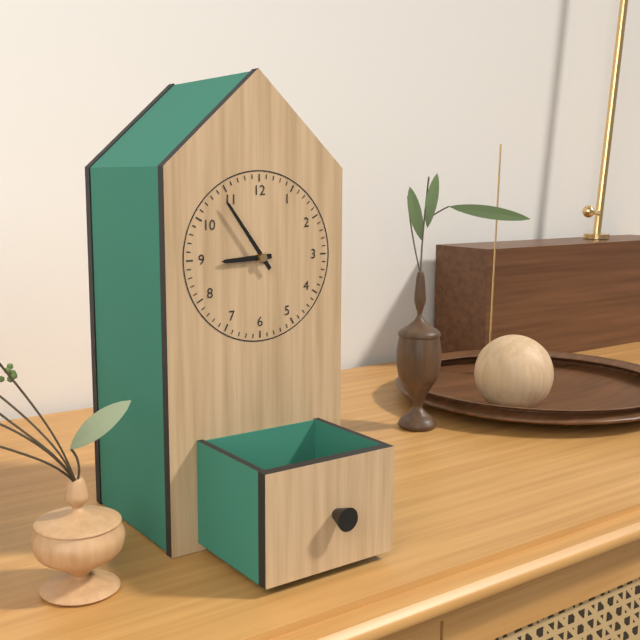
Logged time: 8:54
